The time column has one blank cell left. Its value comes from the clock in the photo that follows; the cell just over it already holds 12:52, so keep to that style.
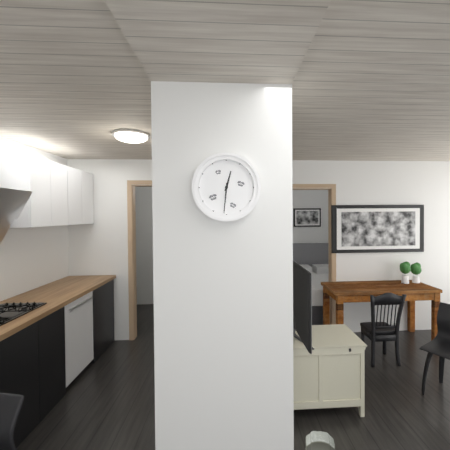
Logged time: 12:31
